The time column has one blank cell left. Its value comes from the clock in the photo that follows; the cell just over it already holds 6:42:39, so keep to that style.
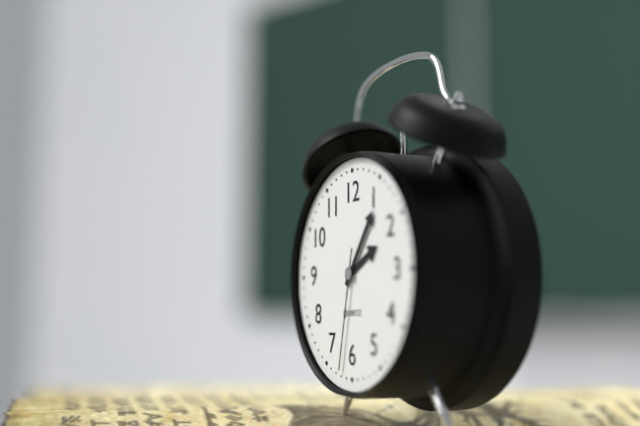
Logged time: 2:06:32
